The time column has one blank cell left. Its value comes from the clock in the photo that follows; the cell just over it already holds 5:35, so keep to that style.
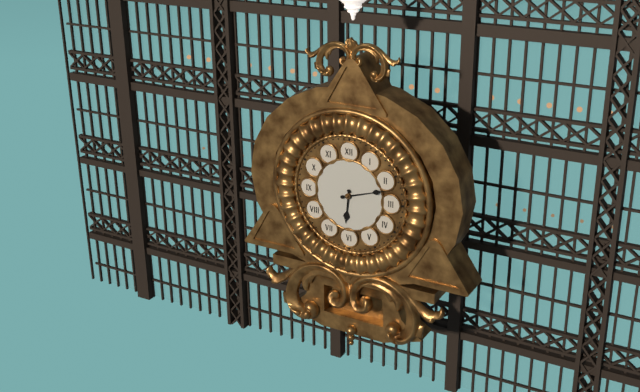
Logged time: 6:12
